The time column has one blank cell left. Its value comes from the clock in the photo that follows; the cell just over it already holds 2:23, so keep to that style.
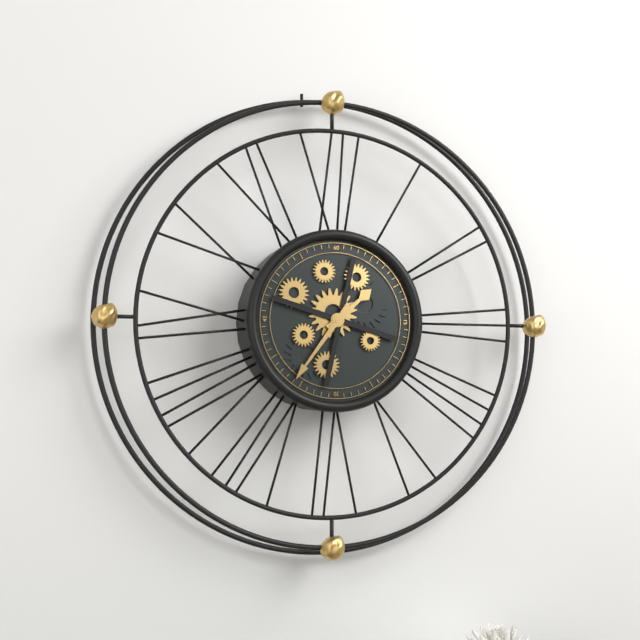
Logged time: 1:36
